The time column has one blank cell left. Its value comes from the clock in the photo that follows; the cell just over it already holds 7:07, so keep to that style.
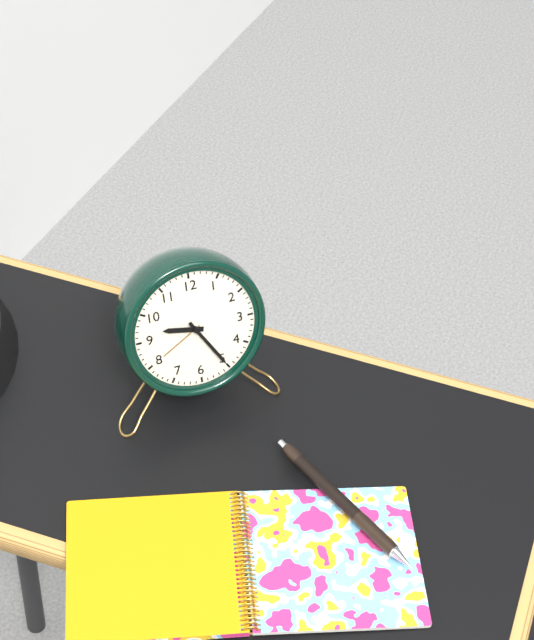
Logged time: 9:25
